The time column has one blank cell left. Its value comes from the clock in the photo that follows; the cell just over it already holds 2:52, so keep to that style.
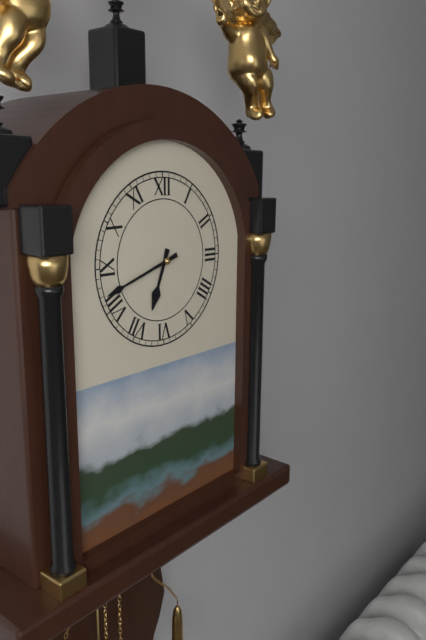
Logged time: 6:42
